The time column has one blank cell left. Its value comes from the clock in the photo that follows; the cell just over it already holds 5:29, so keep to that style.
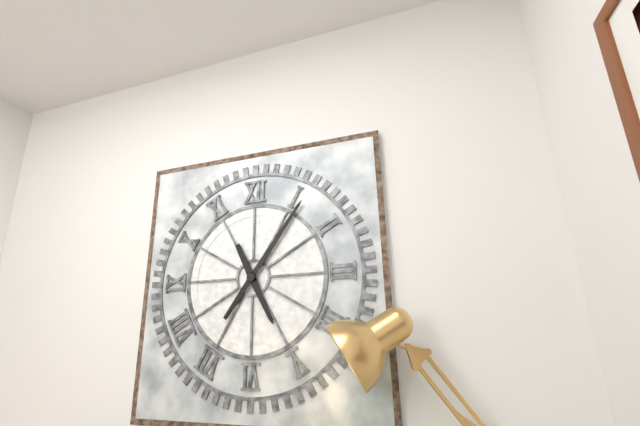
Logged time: 5:06
